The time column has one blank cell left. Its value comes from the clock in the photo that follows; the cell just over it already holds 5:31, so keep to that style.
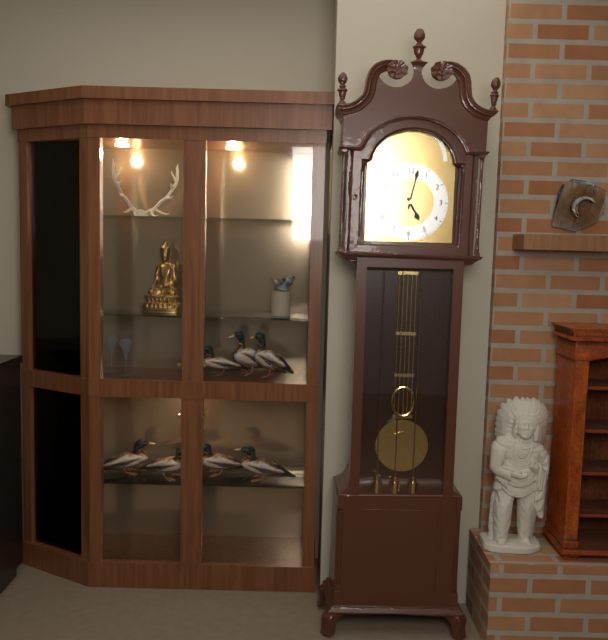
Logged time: 5:02
